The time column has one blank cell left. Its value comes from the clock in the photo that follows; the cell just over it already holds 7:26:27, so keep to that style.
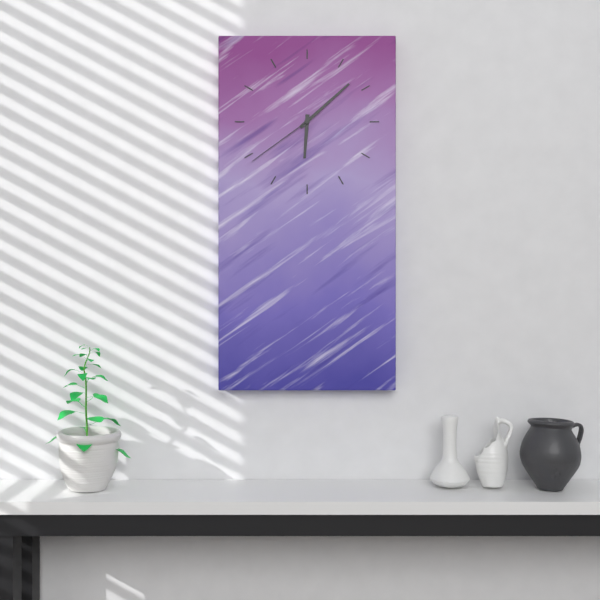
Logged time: 6:08:39
